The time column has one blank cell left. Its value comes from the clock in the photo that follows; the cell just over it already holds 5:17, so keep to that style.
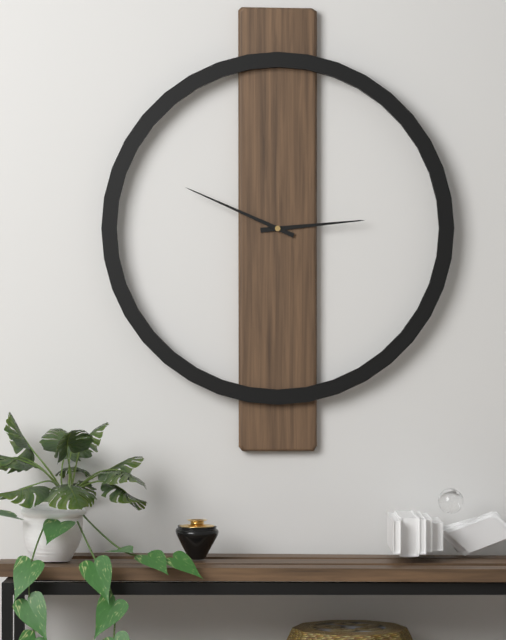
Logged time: 2:49
